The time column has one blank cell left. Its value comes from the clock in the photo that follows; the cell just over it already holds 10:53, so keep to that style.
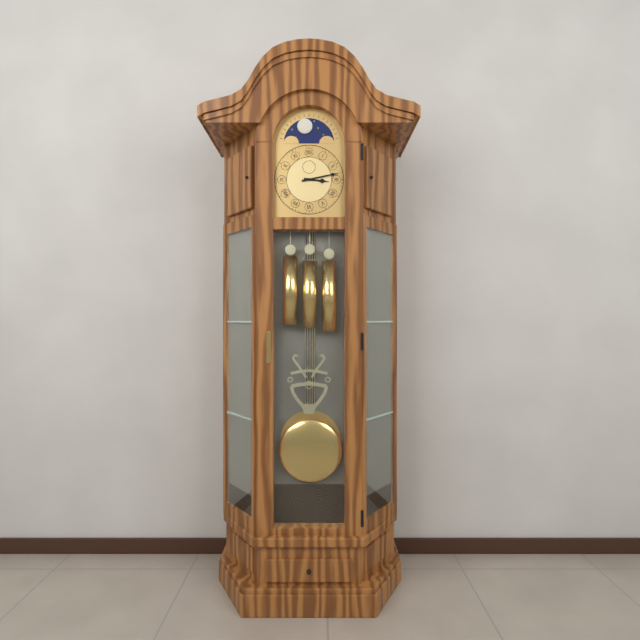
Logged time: 3:13
